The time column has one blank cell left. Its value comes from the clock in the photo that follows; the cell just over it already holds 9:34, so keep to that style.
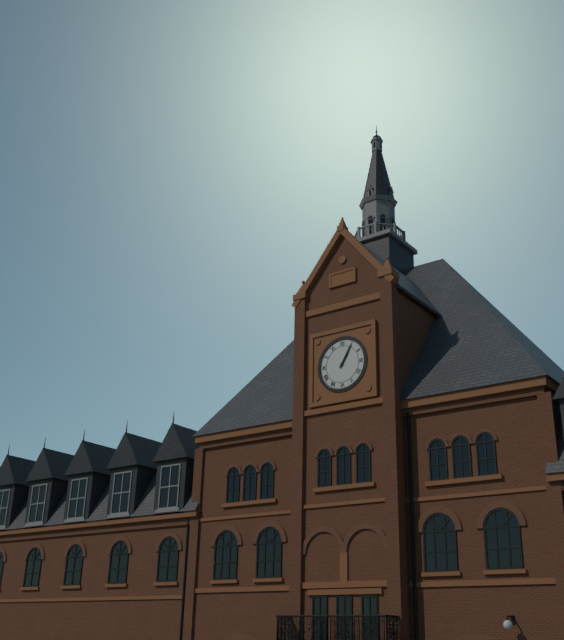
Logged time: 1:05
